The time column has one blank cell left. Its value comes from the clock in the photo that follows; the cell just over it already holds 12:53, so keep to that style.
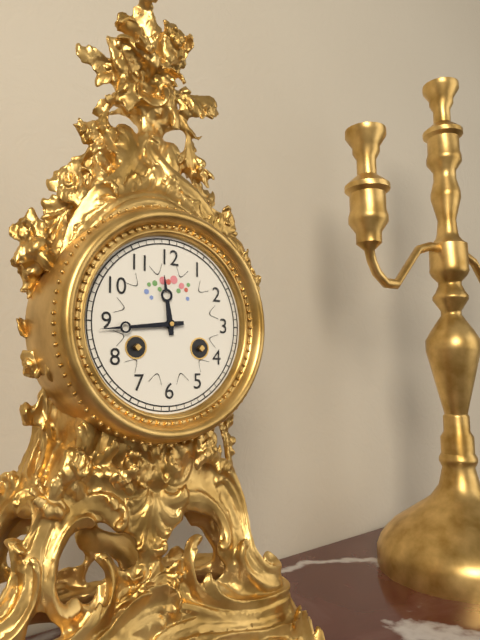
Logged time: 11:44
